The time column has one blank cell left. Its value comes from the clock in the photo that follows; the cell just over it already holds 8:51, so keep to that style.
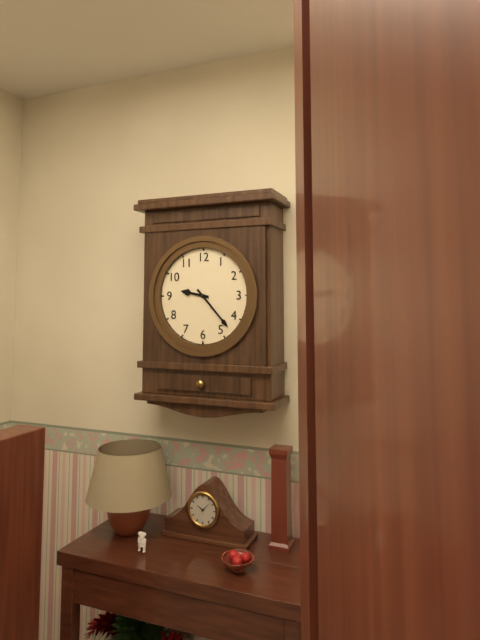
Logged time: 9:23
